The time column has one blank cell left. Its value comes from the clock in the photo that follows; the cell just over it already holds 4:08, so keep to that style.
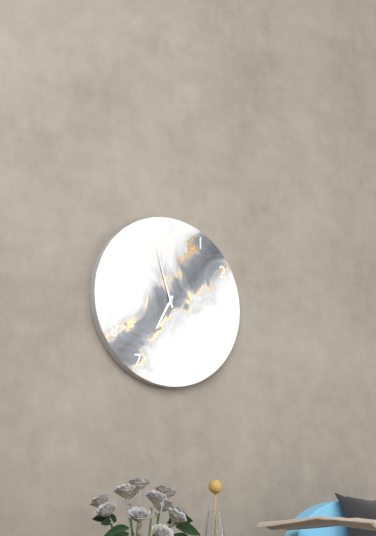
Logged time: 6:57
